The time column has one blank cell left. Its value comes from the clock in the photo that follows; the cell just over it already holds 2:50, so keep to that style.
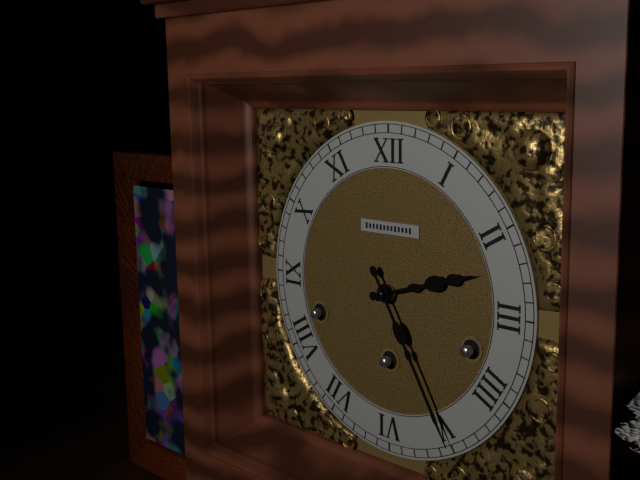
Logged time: 2:25
